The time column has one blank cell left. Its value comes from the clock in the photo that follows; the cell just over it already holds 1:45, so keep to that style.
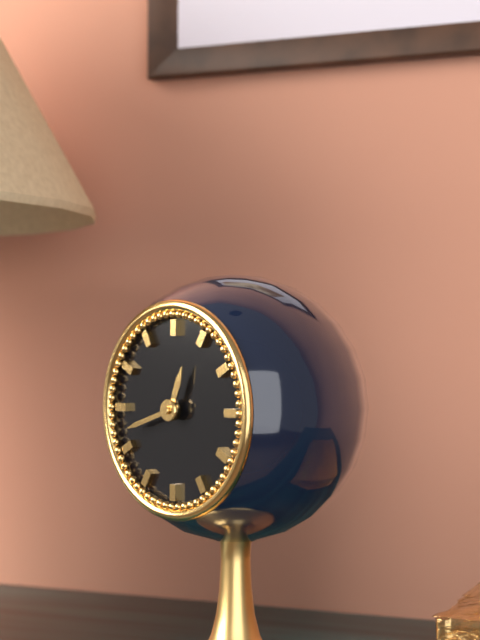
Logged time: 12:42
